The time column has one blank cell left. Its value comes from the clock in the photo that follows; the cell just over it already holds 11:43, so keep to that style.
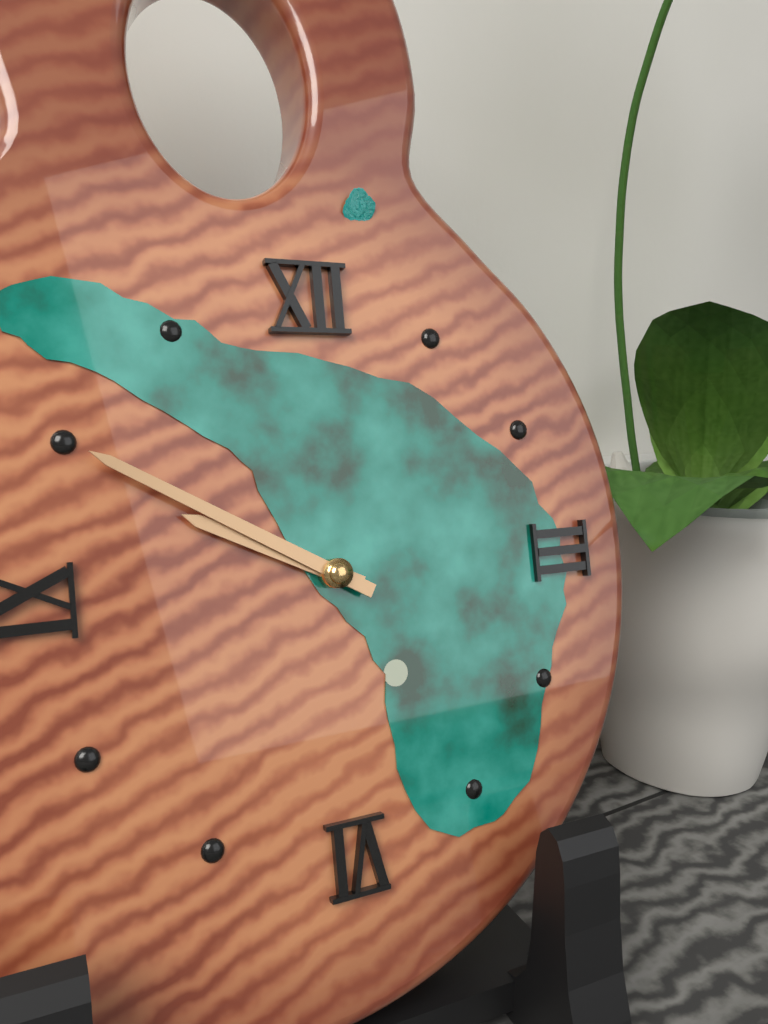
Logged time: 9:50
